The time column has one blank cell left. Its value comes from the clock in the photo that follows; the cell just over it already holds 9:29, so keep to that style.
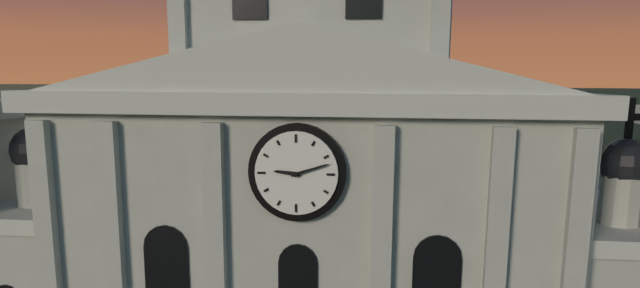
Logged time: 9:12
